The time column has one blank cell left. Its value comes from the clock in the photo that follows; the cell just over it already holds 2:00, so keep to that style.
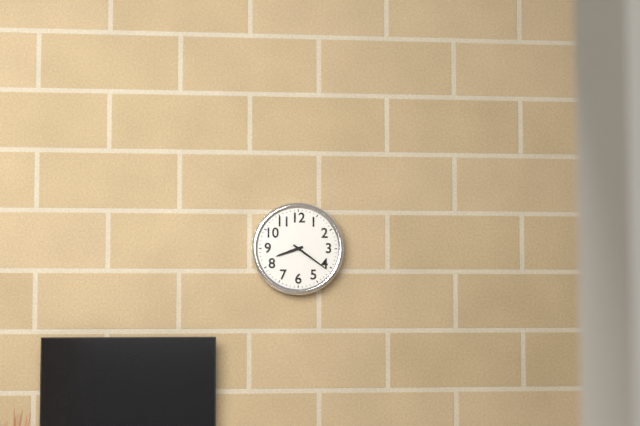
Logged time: 8:21
